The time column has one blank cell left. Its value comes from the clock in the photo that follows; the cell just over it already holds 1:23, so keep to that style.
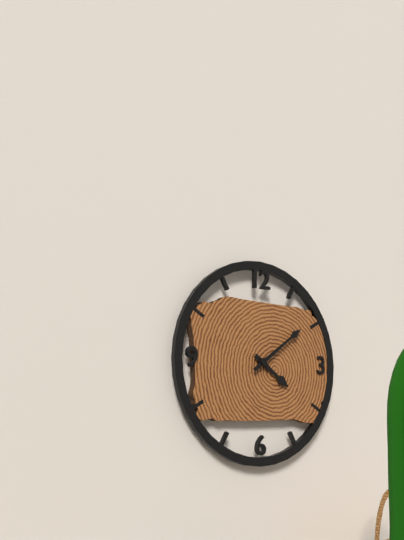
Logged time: 4:09
